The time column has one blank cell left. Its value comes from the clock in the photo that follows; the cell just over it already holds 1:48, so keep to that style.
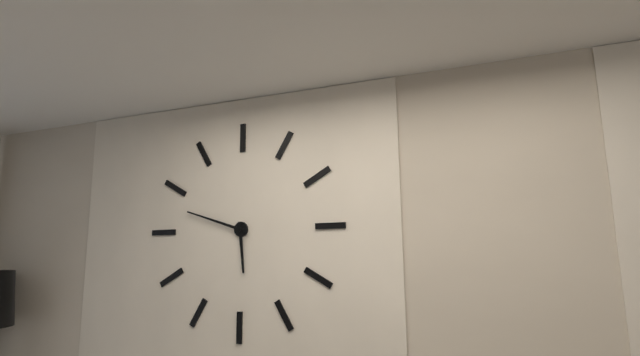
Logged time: 5:48
